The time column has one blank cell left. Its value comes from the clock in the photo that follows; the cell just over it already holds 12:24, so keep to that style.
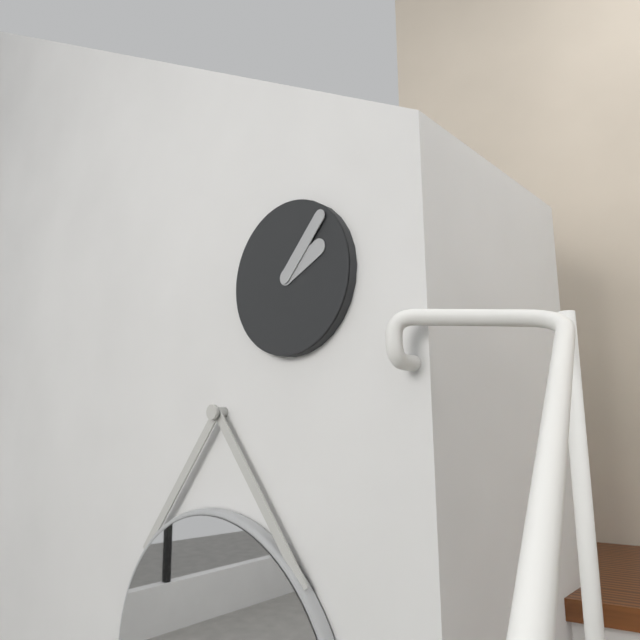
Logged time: 2:07
